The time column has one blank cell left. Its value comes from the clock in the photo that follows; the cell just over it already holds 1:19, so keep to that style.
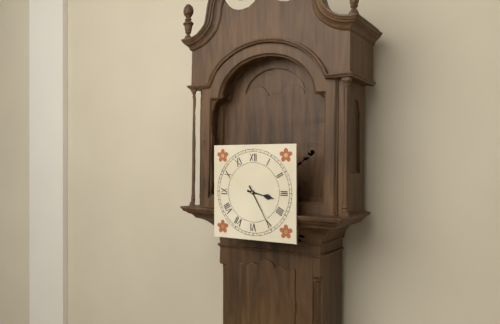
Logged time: 3:25
